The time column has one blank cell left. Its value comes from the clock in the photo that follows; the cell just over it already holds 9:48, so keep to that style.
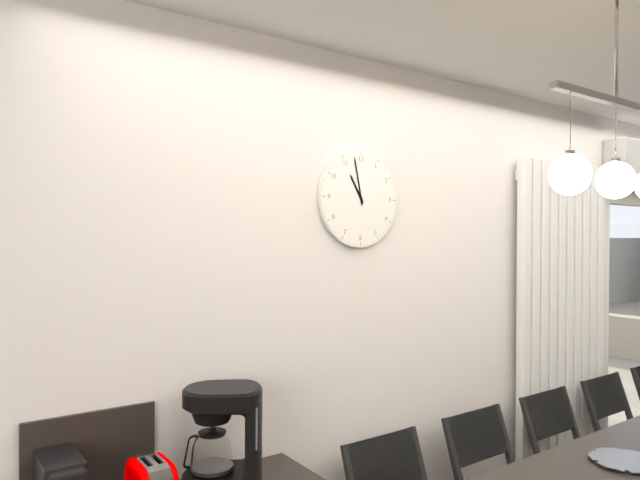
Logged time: 10:58
